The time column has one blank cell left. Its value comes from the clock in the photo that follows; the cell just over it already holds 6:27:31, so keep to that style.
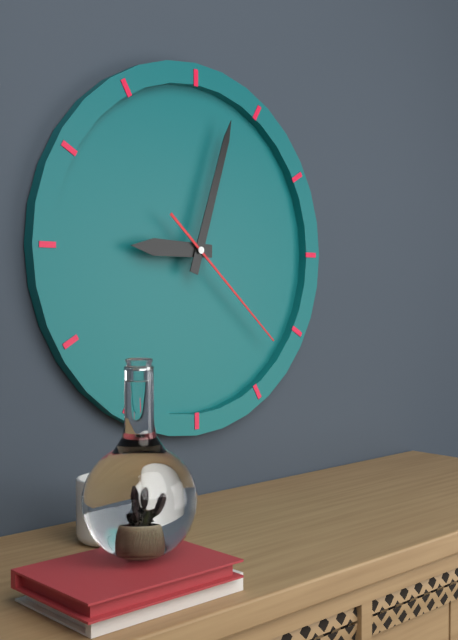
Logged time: 9:03:22
